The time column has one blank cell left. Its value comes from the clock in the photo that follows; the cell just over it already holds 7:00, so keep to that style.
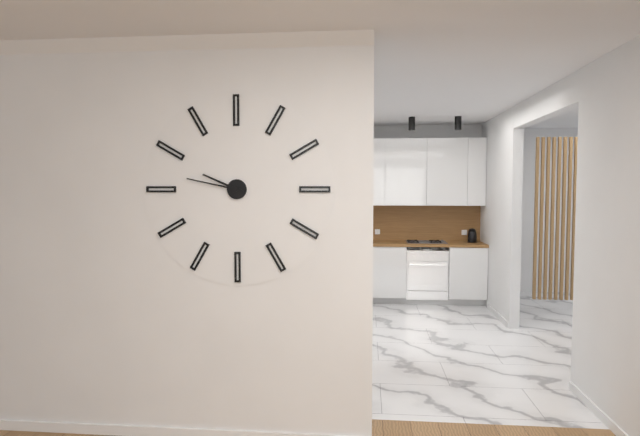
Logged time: 9:47
